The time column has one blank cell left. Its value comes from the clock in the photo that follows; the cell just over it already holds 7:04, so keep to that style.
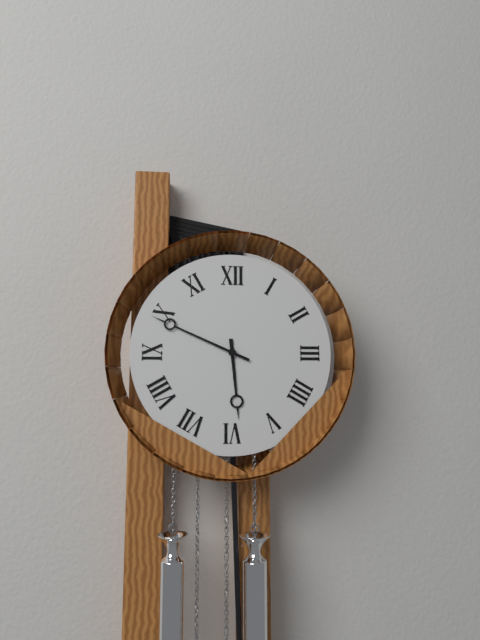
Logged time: 5:49
